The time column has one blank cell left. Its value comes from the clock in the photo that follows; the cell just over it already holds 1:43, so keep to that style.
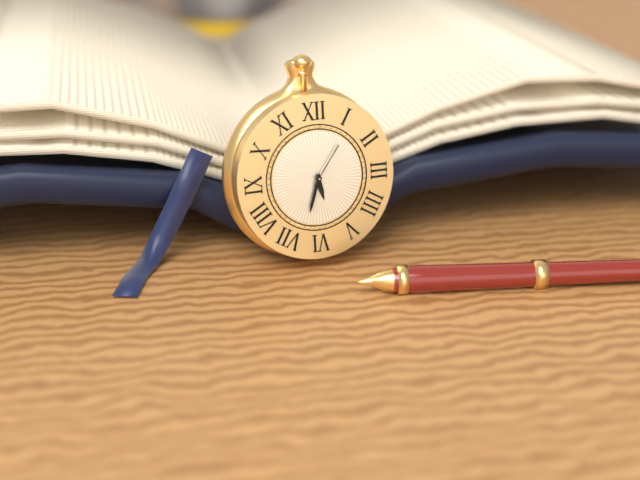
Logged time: 5:33
